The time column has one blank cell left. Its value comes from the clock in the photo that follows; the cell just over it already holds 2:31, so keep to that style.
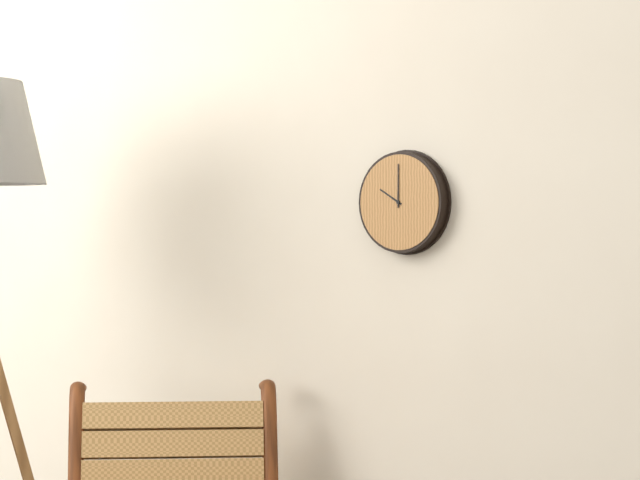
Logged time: 10:00
